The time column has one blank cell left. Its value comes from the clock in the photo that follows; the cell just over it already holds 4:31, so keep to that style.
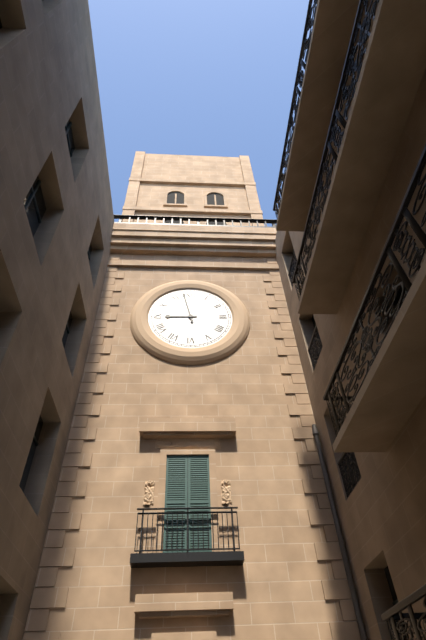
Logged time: 8:58
